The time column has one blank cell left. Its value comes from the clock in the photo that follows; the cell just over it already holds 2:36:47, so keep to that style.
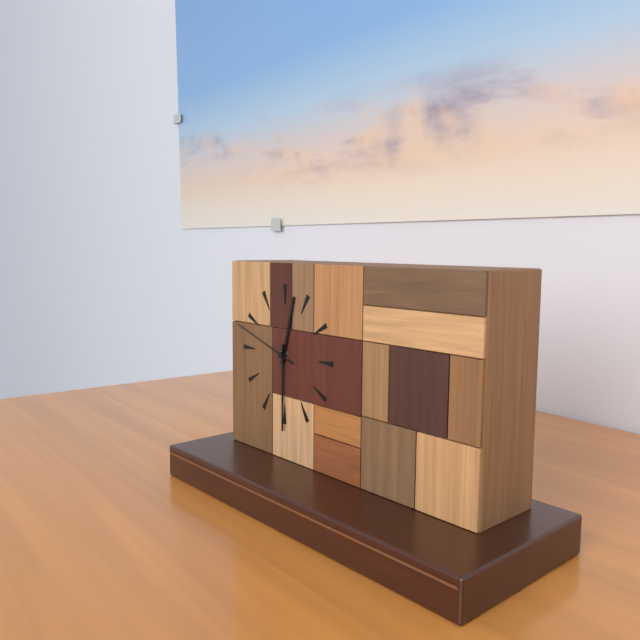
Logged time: 12:30:48
